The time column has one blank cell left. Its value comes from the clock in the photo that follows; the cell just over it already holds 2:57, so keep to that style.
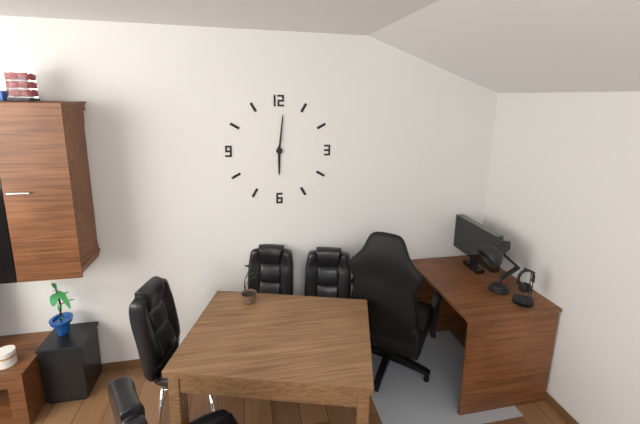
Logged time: 6:01
